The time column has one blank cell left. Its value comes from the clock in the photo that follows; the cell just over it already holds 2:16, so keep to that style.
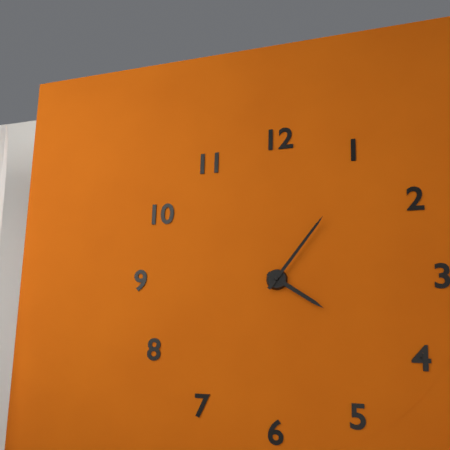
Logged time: 4:06
